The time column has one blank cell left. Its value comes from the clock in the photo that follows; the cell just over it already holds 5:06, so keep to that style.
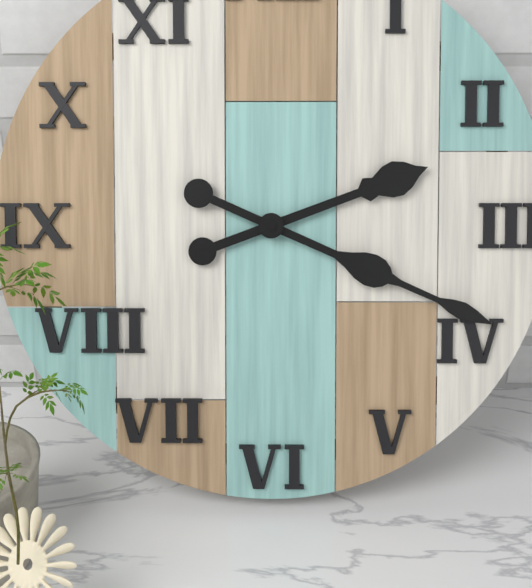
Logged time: 2:19
